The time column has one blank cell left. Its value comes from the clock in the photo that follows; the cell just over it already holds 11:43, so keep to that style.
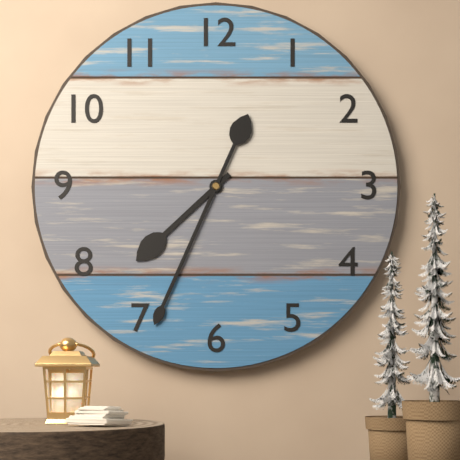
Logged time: 7:34
